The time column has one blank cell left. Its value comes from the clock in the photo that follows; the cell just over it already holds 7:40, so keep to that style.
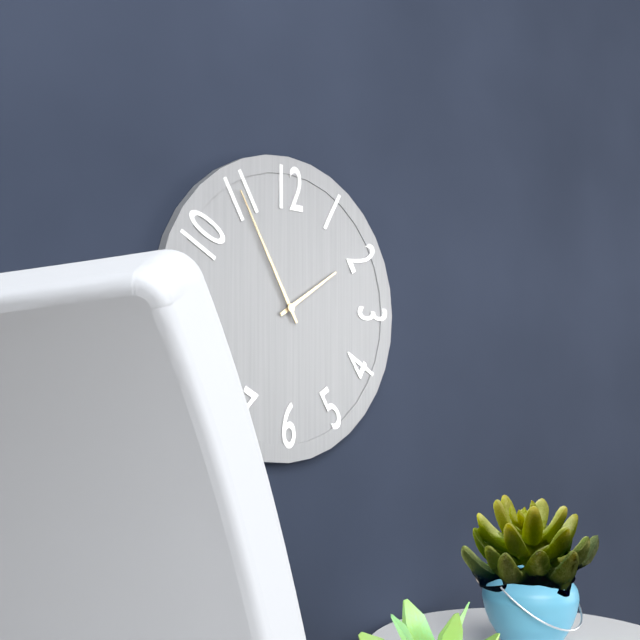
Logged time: 1:55
